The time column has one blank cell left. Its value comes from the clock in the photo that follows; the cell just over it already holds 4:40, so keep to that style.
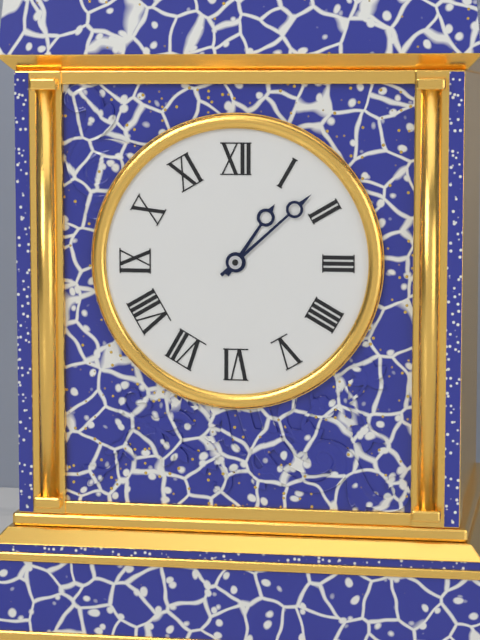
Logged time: 1:08
